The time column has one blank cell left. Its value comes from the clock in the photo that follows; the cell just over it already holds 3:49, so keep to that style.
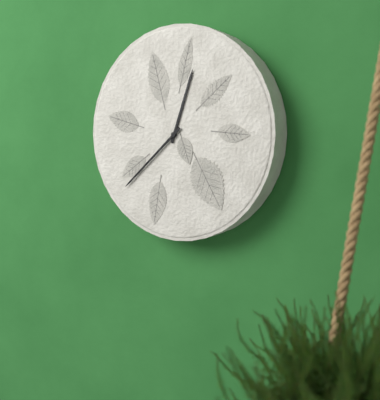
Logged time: 12:38
